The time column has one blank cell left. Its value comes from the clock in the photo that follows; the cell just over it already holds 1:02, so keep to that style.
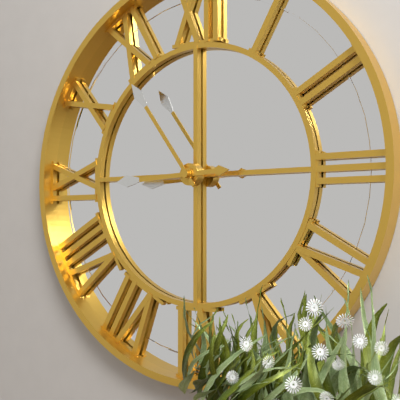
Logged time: 8:54
